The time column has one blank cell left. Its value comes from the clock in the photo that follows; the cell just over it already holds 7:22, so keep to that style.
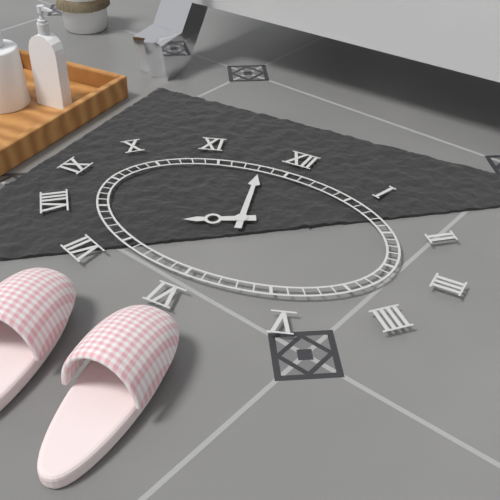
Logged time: 7:57
